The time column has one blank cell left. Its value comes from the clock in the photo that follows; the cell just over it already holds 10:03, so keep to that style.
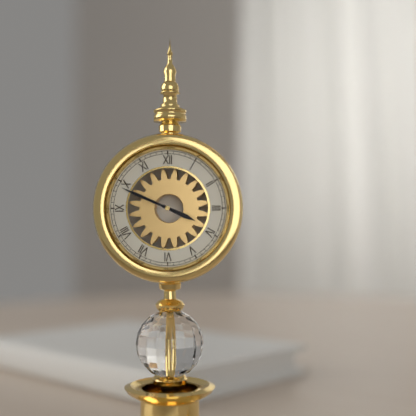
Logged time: 3:49
